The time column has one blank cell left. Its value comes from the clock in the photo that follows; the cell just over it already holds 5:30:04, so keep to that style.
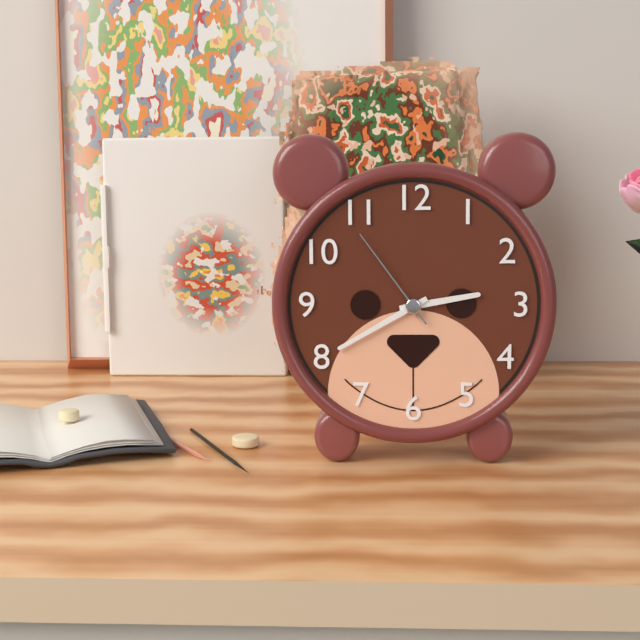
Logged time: 2:40:54
